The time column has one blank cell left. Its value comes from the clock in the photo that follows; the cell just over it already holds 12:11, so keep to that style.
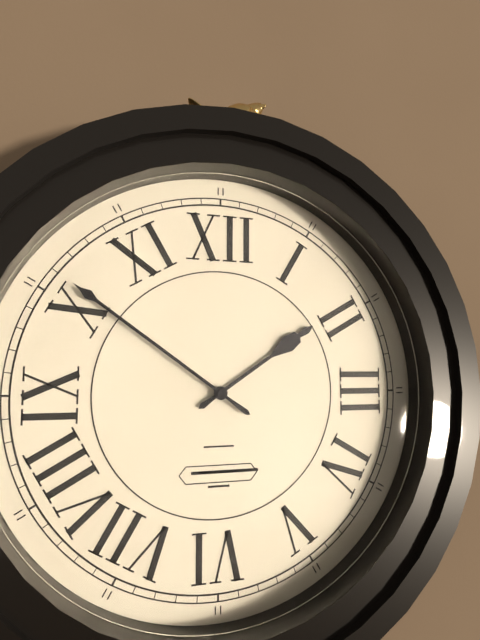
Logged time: 1:51
